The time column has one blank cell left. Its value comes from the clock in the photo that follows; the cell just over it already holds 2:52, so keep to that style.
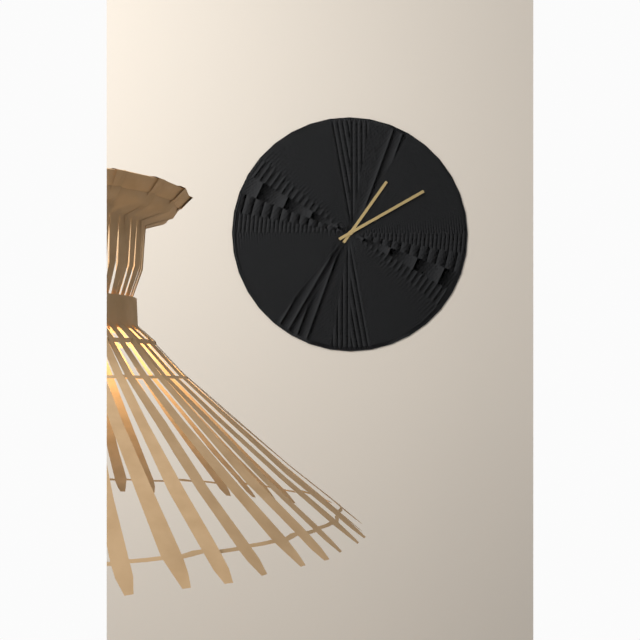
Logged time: 1:10
